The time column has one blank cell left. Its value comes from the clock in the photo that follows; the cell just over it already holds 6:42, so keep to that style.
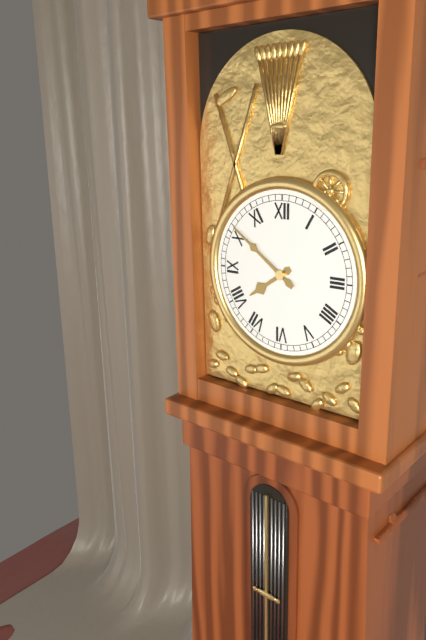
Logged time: 7:51
